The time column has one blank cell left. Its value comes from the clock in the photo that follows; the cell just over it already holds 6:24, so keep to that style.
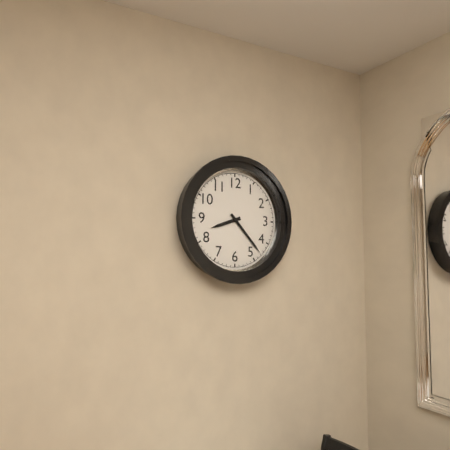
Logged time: 8:23
